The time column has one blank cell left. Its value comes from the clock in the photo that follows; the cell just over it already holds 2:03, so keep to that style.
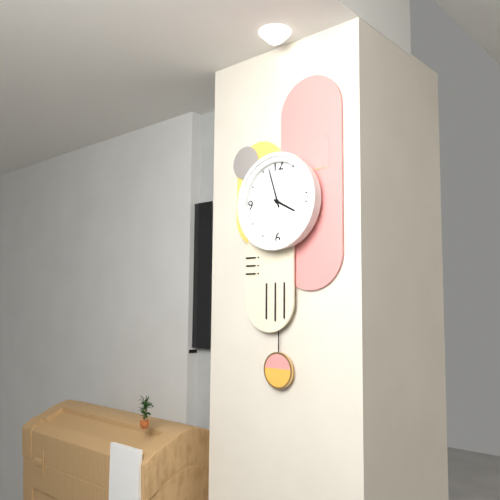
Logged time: 3:57
